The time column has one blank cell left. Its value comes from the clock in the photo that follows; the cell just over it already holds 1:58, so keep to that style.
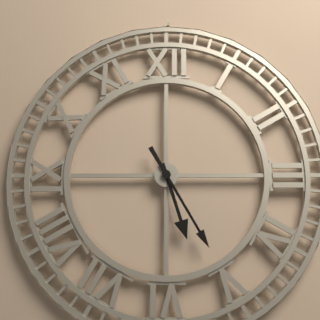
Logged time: 5:25
